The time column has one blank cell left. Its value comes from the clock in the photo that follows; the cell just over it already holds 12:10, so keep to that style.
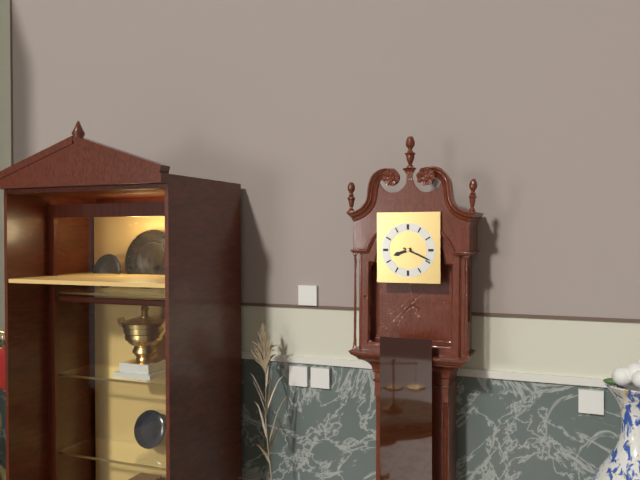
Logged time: 8:19
